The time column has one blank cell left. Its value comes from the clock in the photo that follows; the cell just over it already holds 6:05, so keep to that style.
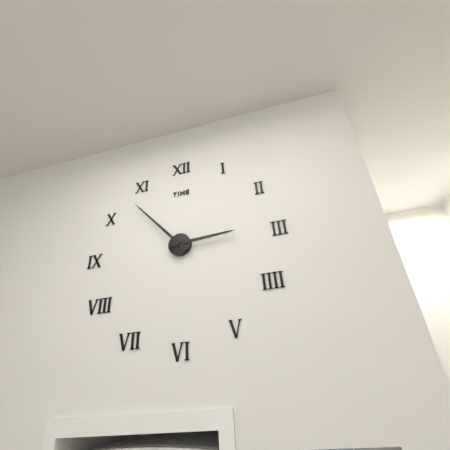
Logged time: 2:53
